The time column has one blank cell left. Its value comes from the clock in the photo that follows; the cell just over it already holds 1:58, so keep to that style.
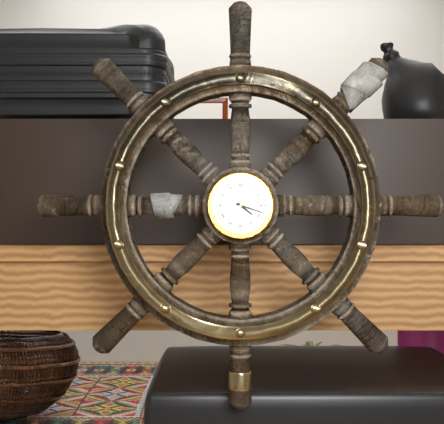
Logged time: 4:18
